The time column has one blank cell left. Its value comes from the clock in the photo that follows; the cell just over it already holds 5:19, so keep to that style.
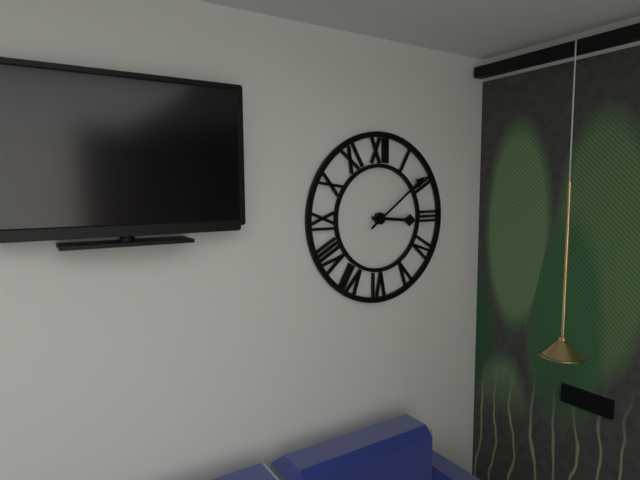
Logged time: 3:09
